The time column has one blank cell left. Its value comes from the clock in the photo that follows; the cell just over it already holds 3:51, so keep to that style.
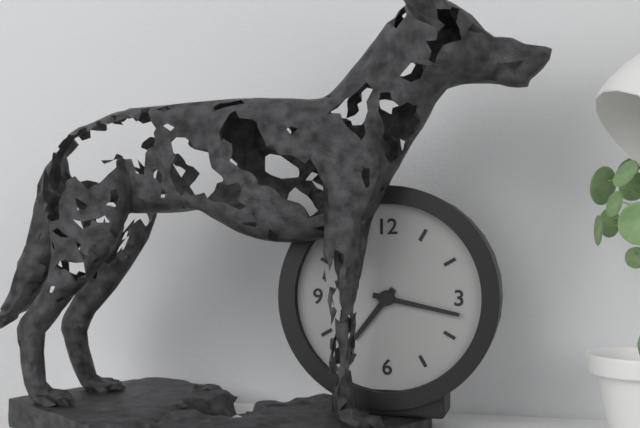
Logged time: 7:17
